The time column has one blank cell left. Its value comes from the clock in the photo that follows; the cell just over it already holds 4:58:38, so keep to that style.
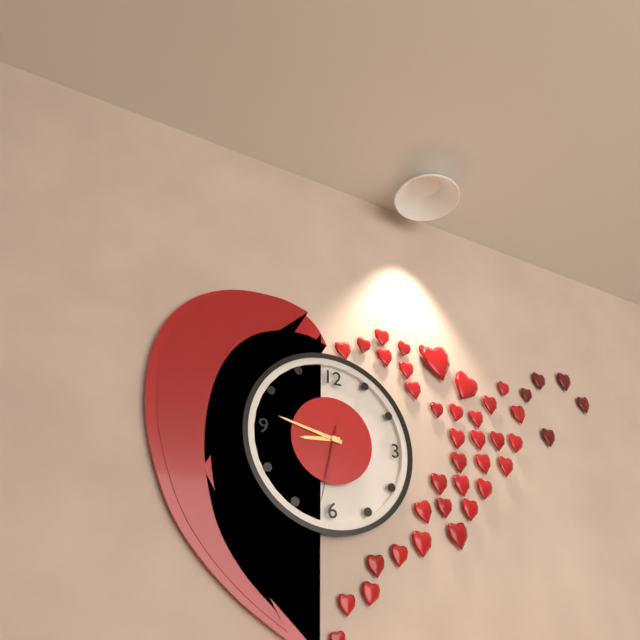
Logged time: 8:47:32
